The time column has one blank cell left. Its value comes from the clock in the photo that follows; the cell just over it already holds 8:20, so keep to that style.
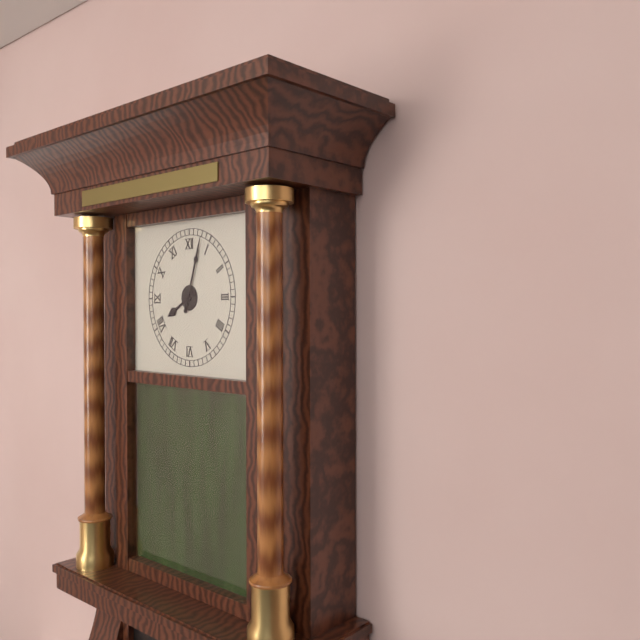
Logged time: 8:03
